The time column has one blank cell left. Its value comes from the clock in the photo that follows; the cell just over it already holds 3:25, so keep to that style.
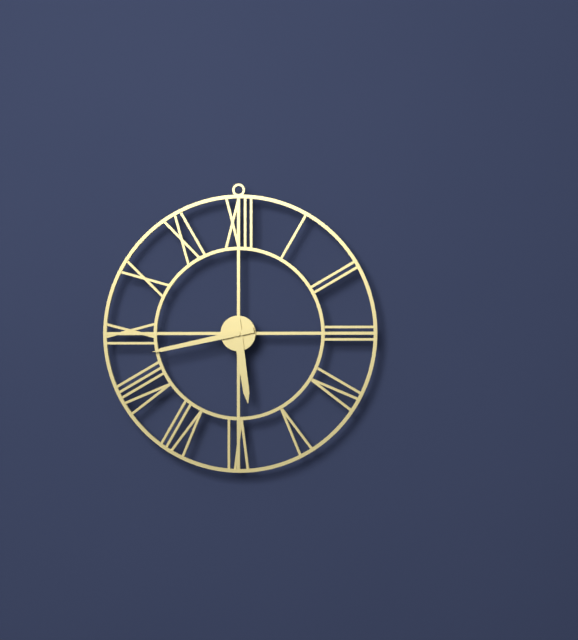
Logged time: 5:43
